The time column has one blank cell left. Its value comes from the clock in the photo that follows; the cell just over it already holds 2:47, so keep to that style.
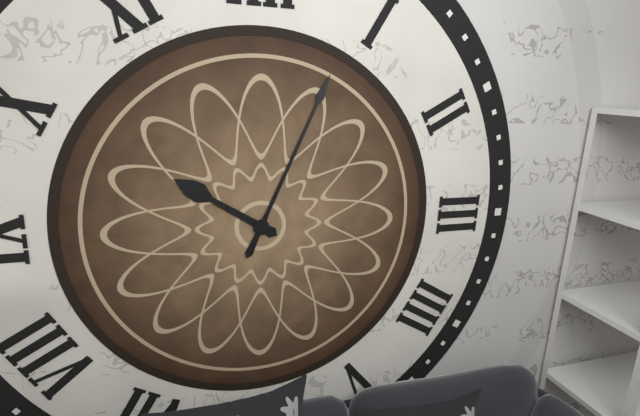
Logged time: 10:04
